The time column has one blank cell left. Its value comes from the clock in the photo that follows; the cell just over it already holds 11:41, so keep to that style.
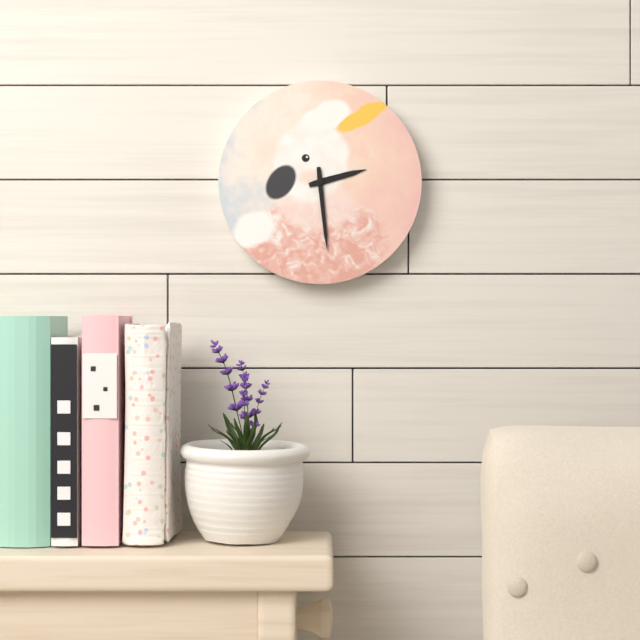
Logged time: 2:29
